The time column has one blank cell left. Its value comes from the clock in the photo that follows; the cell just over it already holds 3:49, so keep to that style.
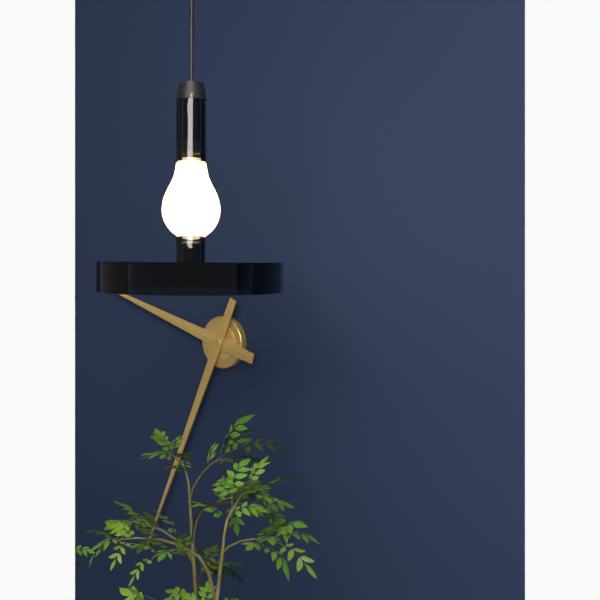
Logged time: 9:34
